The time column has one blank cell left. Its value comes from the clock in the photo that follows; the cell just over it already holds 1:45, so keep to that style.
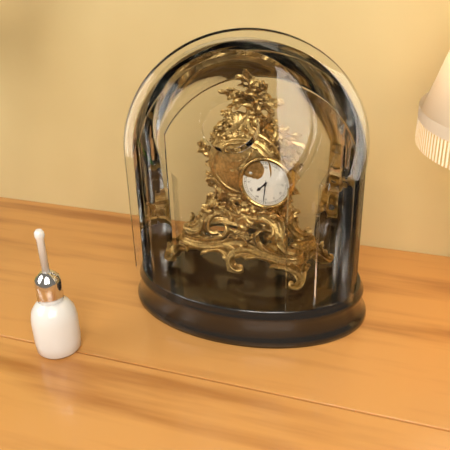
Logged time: 7:31
